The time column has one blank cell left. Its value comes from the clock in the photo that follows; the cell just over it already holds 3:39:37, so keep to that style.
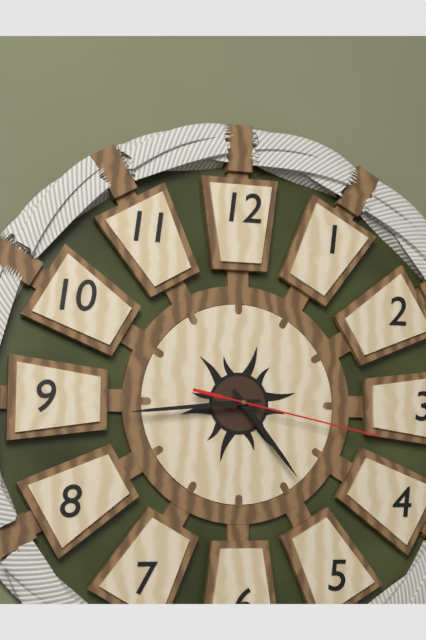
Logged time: 4:44:17
